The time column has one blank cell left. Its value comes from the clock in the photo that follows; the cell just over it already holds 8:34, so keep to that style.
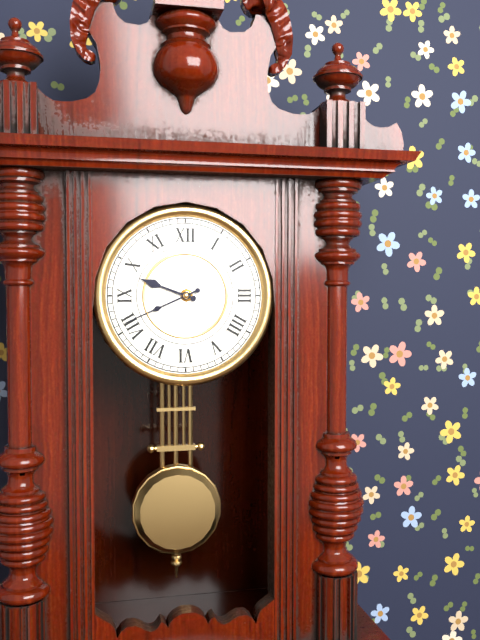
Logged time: 9:41
